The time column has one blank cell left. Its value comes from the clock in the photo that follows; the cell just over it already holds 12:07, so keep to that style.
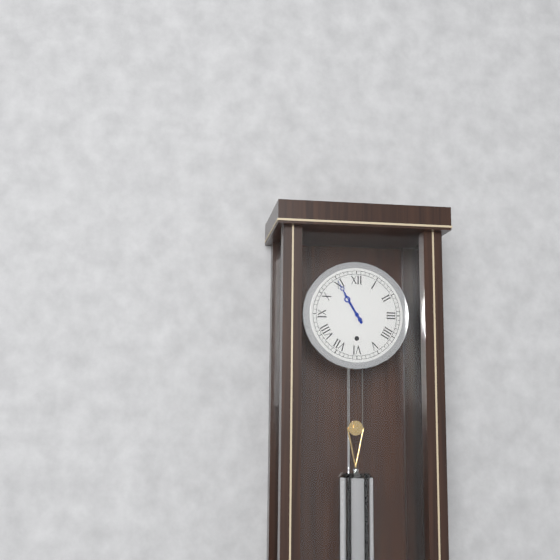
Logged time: 10:55
